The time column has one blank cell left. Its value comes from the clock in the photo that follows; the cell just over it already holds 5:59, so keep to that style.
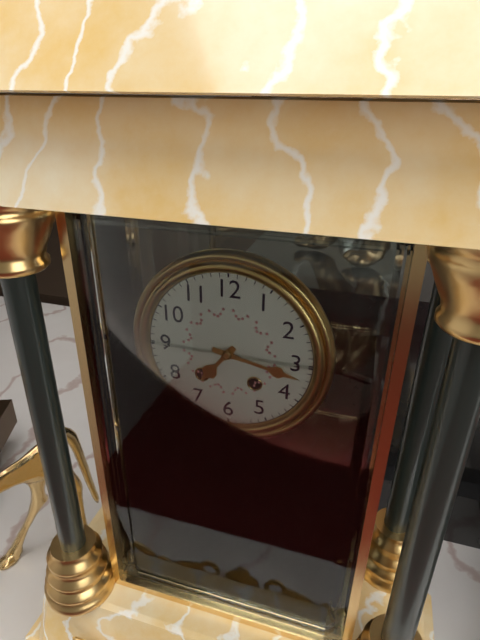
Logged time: 7:17
